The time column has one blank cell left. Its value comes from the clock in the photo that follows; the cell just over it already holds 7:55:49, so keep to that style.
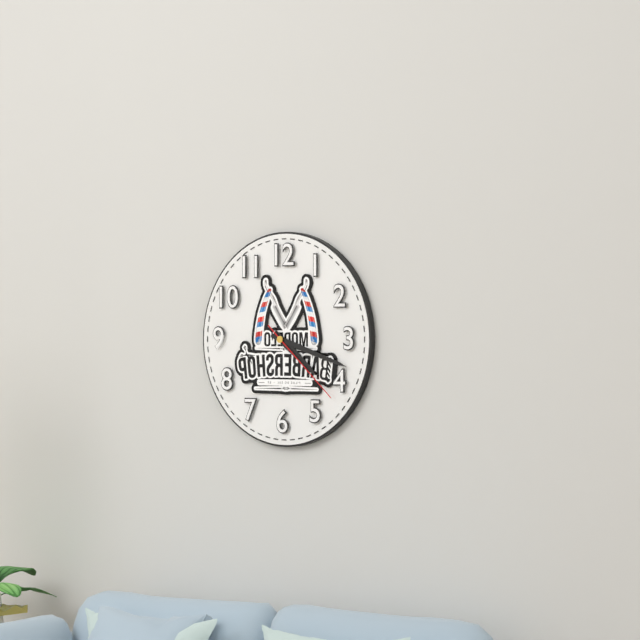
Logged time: 4:18:22
